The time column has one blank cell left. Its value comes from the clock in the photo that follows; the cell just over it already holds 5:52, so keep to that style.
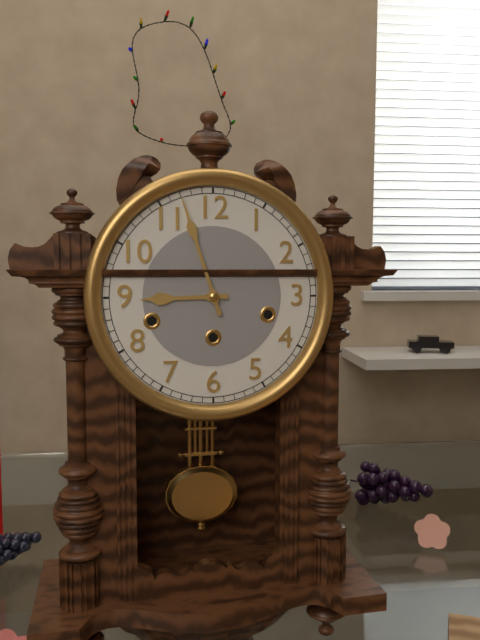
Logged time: 8:57
